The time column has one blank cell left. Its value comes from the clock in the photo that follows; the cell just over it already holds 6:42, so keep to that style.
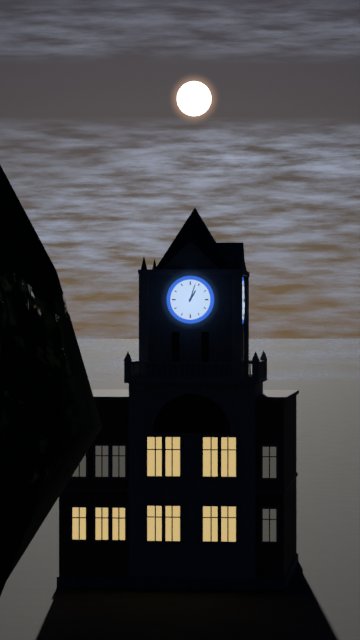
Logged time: 1:03
